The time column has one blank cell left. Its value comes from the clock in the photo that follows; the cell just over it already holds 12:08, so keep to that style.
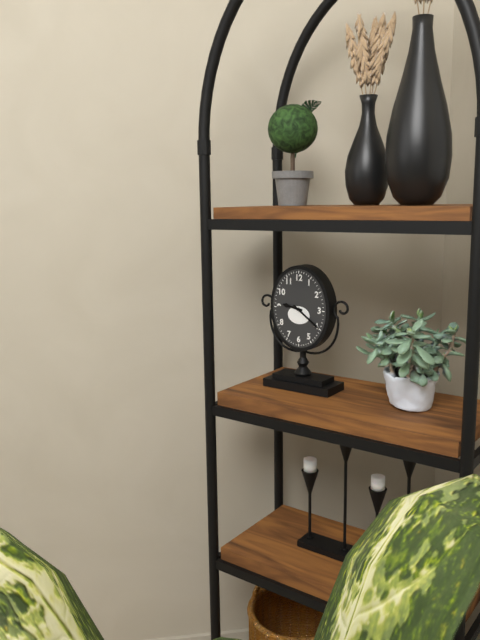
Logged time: 9:21
